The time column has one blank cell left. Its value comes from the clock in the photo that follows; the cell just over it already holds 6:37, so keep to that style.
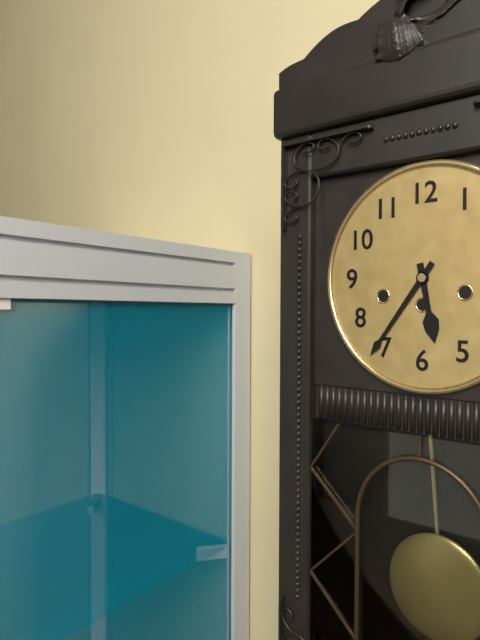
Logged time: 5:36
